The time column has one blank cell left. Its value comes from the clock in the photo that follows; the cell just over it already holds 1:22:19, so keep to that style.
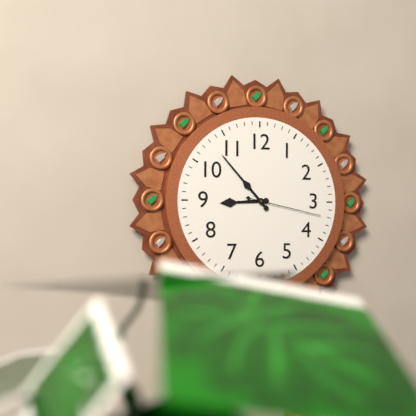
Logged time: 8:53:17
